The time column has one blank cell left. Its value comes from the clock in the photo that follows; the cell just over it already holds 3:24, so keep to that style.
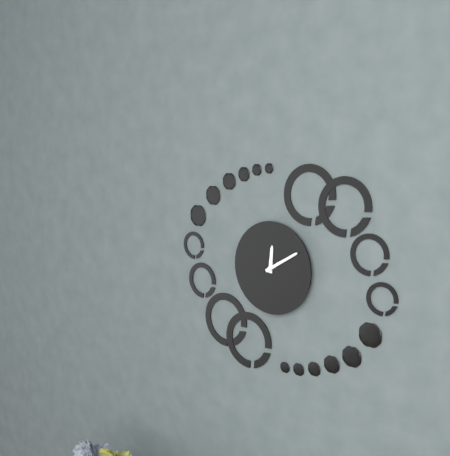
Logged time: 12:10
